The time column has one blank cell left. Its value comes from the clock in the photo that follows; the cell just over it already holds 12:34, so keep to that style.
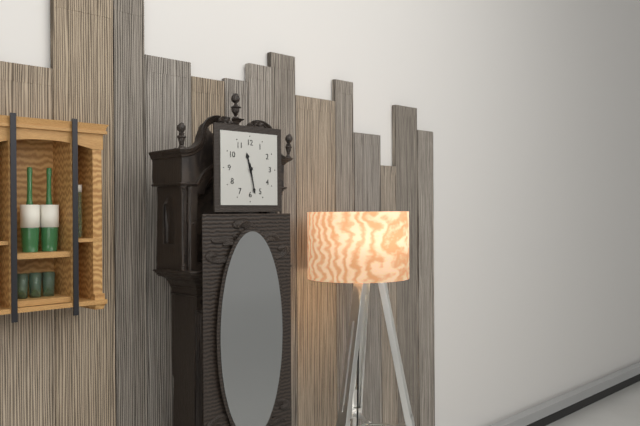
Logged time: 11:28
